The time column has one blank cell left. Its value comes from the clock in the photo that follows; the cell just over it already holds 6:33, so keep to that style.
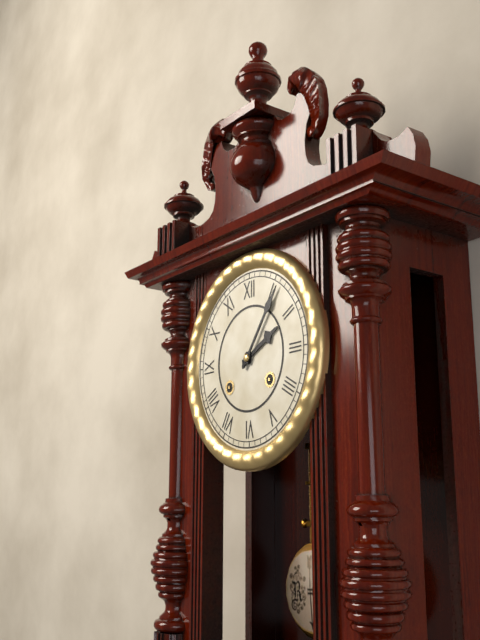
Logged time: 2:06
